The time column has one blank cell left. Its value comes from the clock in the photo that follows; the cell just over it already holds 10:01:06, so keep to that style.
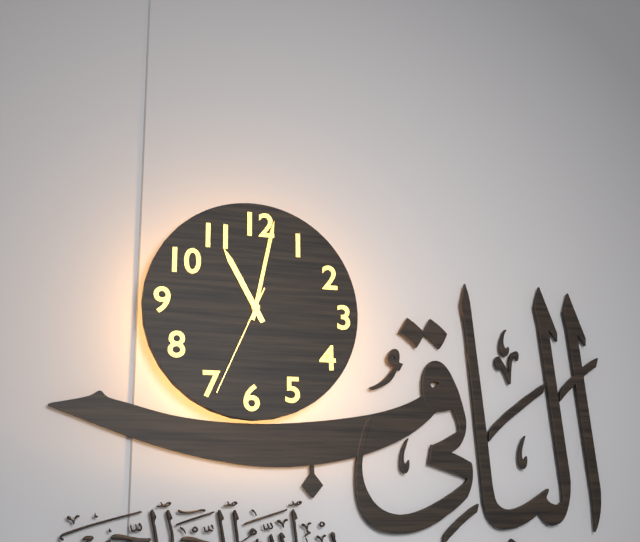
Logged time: 11:02:34
